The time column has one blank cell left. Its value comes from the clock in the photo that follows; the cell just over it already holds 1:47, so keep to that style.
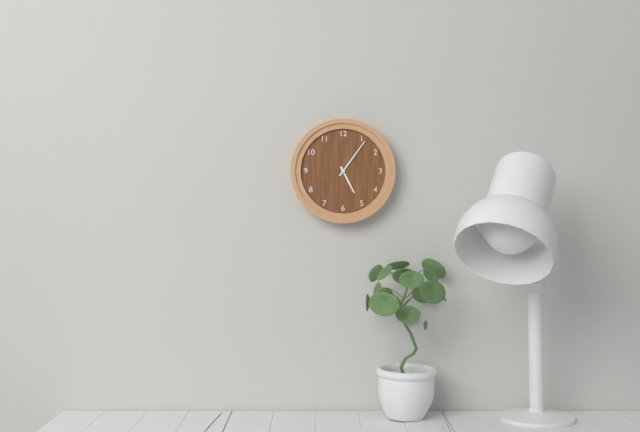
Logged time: 5:06
